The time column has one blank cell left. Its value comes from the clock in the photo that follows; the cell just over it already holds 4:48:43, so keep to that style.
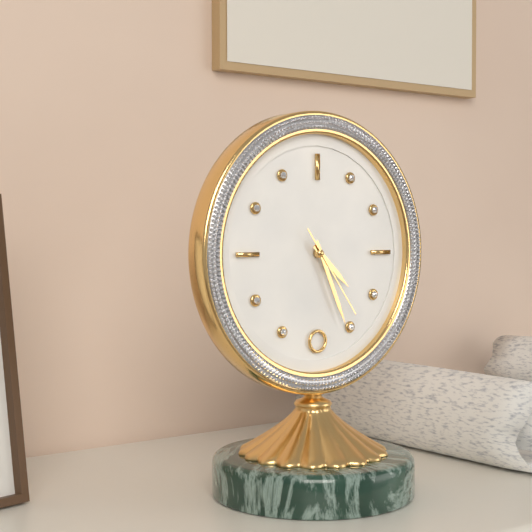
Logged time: 4:26:24
